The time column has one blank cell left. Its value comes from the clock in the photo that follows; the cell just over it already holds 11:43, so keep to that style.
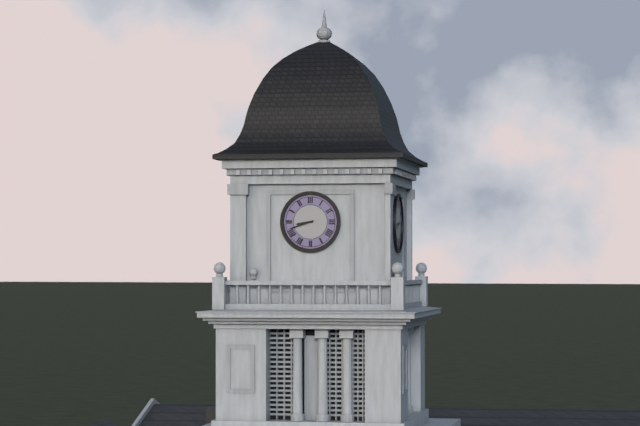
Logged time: 8:42
